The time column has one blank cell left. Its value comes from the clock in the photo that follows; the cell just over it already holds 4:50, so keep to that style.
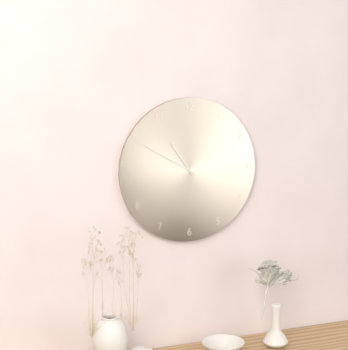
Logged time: 10:50
